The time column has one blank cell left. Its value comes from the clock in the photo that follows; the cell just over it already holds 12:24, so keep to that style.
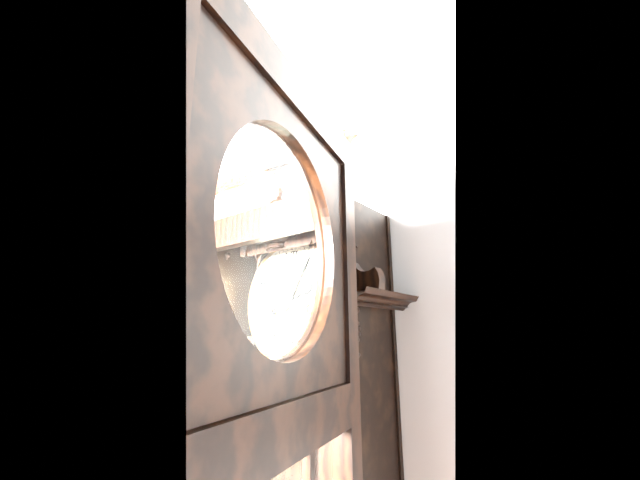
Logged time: 2:05
